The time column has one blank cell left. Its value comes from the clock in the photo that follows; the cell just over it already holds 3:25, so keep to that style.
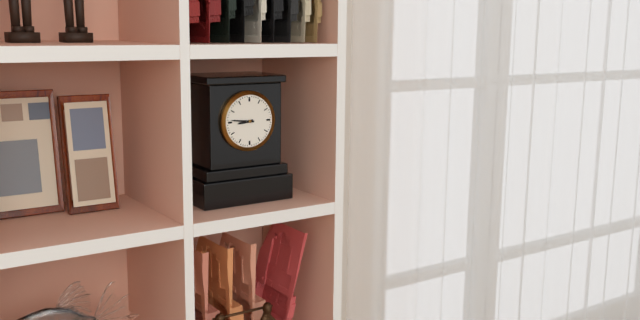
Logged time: 8:46
